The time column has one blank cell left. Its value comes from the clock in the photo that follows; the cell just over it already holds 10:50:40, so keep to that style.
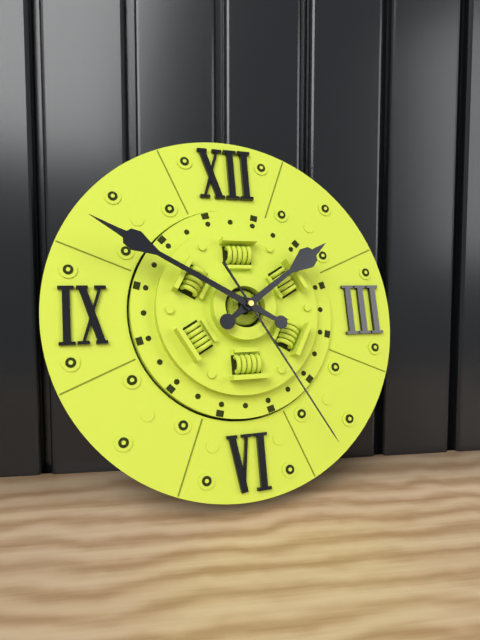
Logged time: 1:50:25
